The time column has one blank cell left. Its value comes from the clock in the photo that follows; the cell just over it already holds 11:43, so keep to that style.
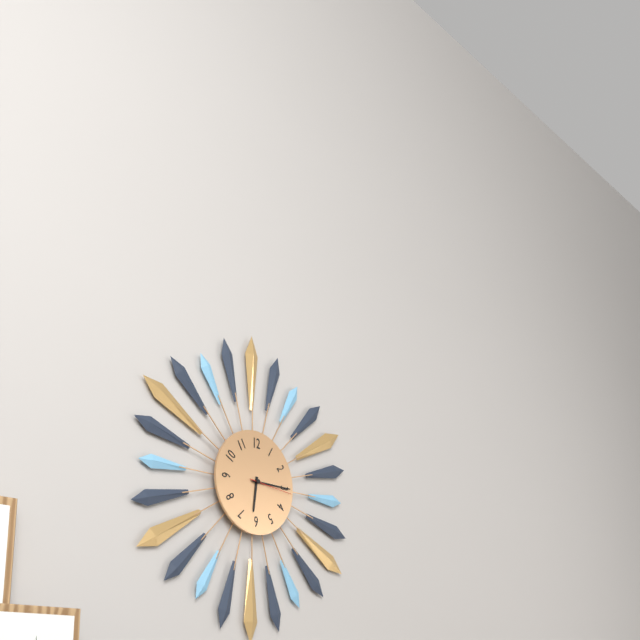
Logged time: 6:15
